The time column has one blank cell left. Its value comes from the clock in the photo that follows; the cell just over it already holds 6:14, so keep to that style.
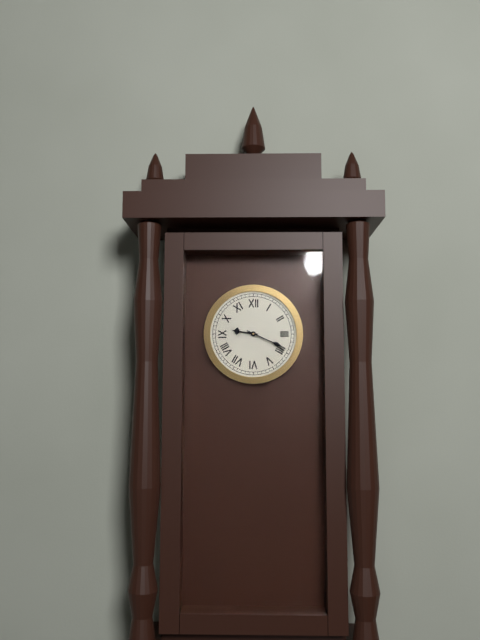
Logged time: 9:19
